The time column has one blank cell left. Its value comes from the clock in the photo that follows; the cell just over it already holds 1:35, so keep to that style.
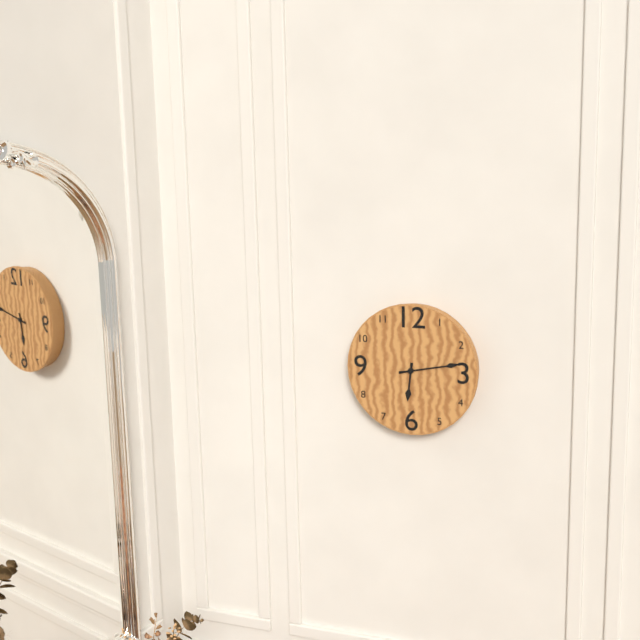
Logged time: 6:13
